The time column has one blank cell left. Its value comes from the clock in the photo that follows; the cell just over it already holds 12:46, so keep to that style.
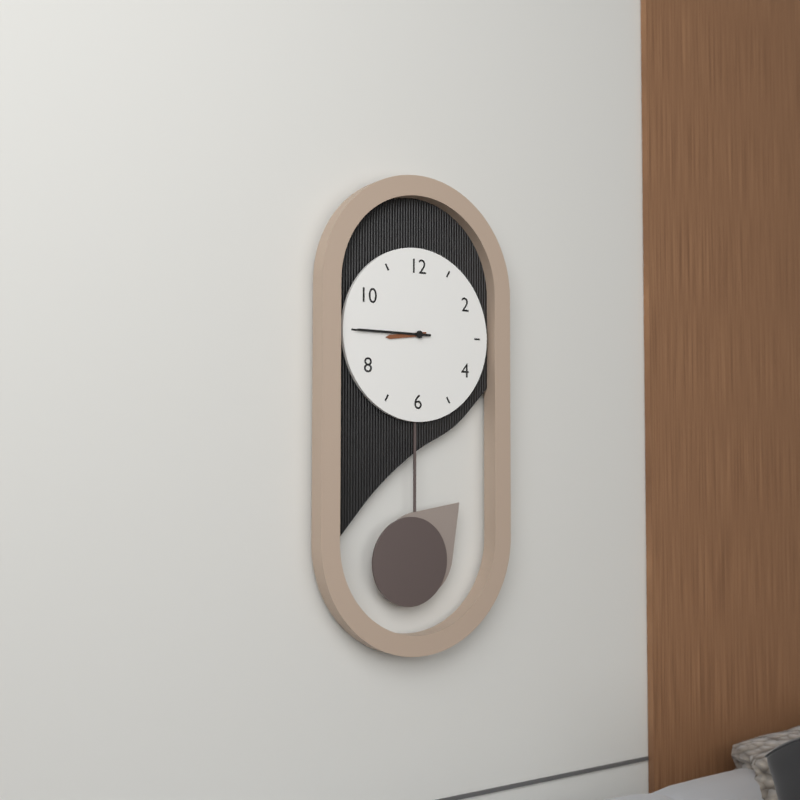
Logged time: 8:45
